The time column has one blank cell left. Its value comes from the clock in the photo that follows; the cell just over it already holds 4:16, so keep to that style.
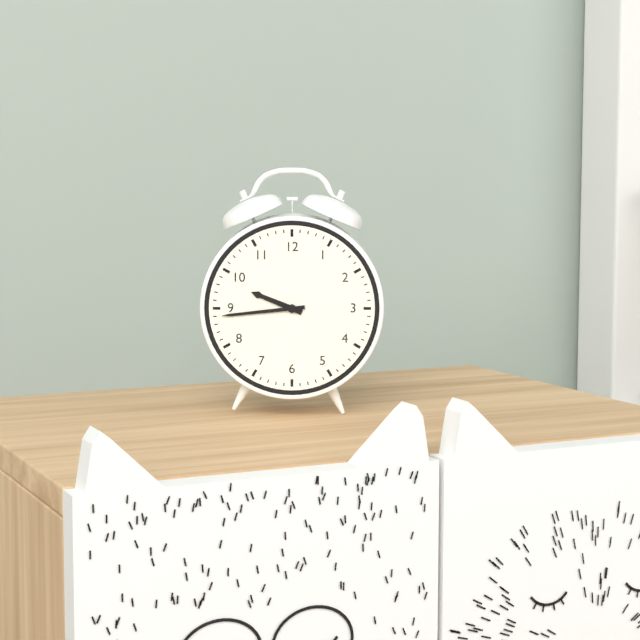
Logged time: 9:44
